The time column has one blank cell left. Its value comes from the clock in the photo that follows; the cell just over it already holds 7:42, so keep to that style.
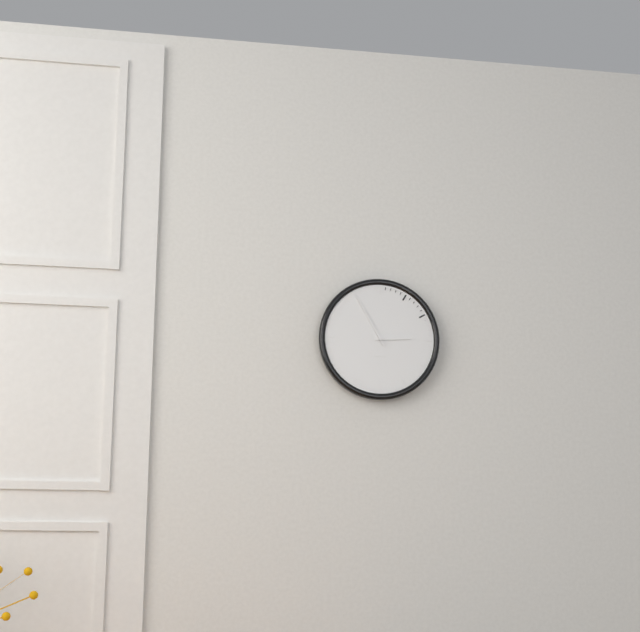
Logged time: 2:55
